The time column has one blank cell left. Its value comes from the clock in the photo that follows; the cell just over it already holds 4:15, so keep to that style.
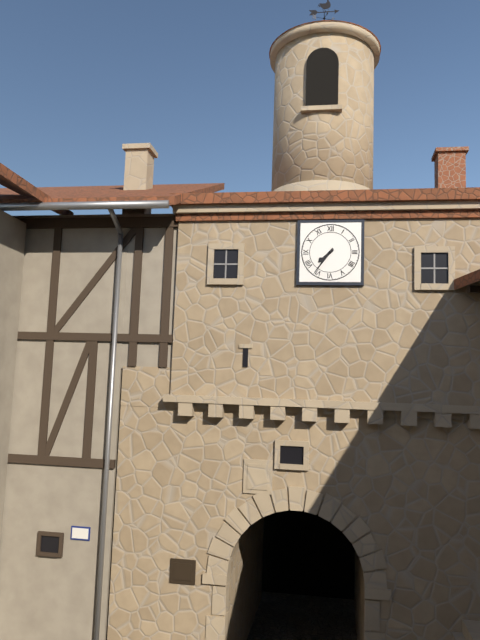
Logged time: 7:36
